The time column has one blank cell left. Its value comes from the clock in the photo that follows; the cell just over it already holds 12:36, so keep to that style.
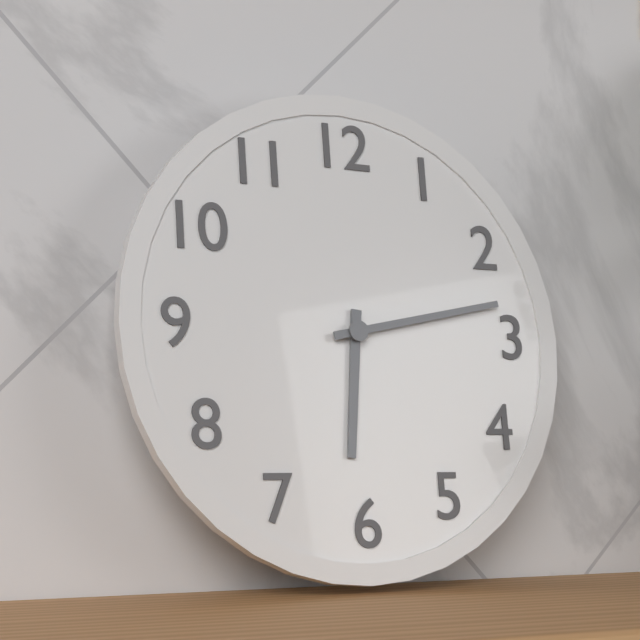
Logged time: 6:13
